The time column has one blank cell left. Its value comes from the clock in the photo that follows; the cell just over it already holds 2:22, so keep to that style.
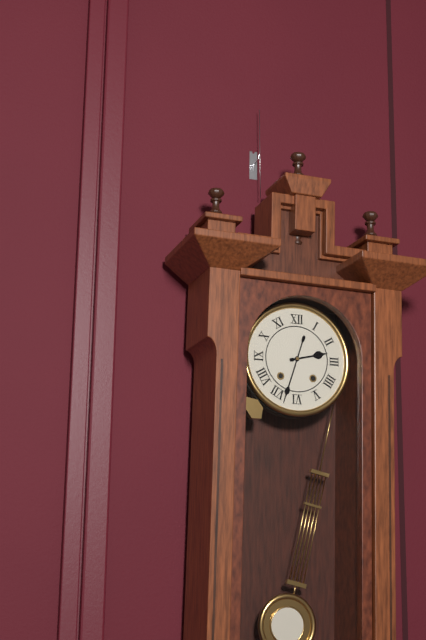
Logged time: 2:33
